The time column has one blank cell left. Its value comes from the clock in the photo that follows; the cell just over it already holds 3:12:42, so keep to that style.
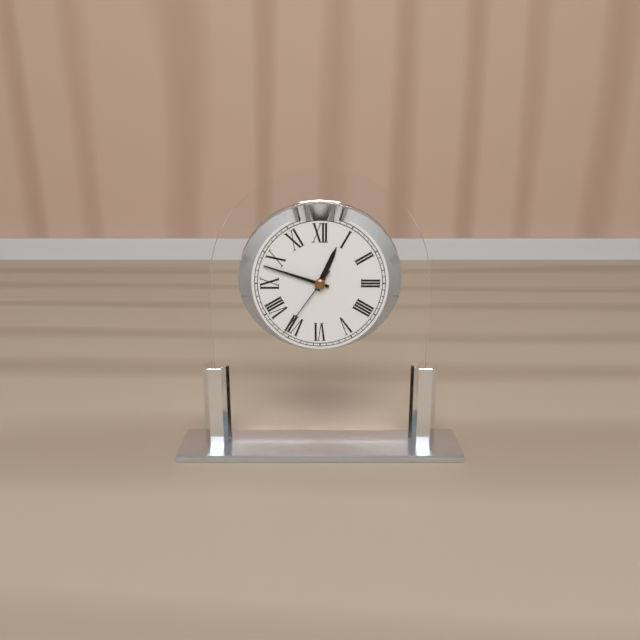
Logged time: 12:48:36
